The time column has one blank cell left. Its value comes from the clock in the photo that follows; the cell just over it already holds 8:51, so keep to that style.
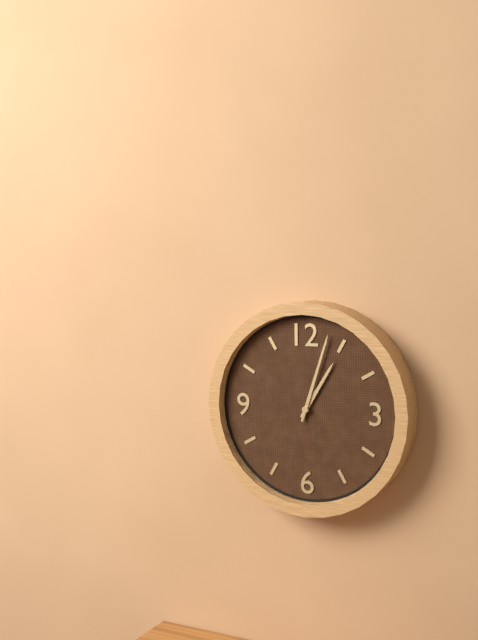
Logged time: 1:03
